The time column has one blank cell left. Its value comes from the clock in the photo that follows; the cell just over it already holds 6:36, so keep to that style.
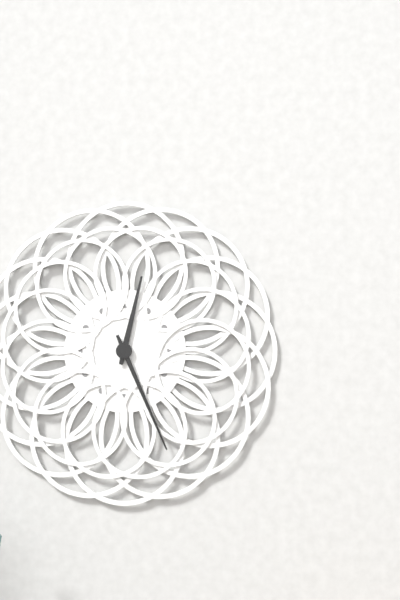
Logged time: 12:26
